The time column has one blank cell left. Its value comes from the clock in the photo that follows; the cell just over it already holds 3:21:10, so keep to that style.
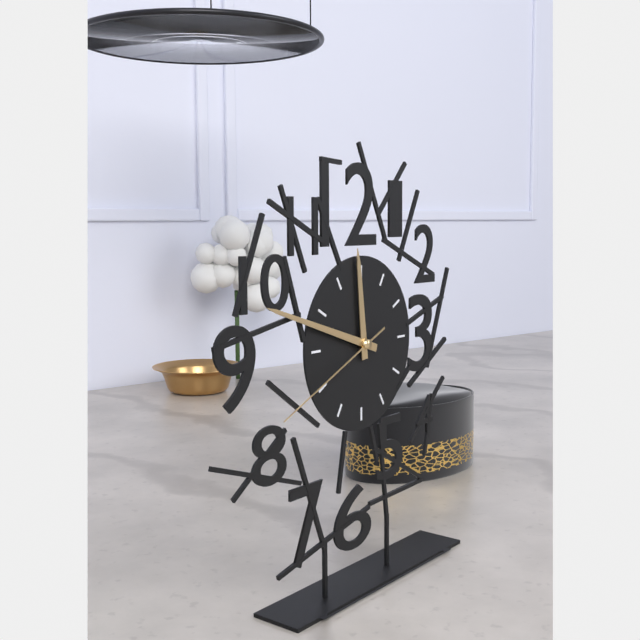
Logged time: 11:48:41
